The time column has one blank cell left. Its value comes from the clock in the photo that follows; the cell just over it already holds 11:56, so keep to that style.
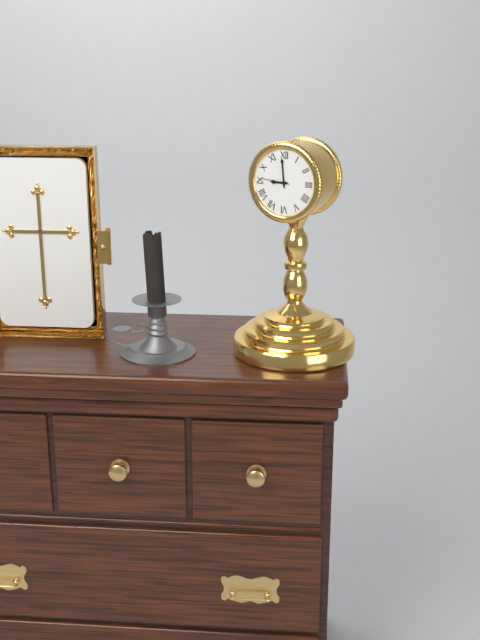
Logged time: 8:59
